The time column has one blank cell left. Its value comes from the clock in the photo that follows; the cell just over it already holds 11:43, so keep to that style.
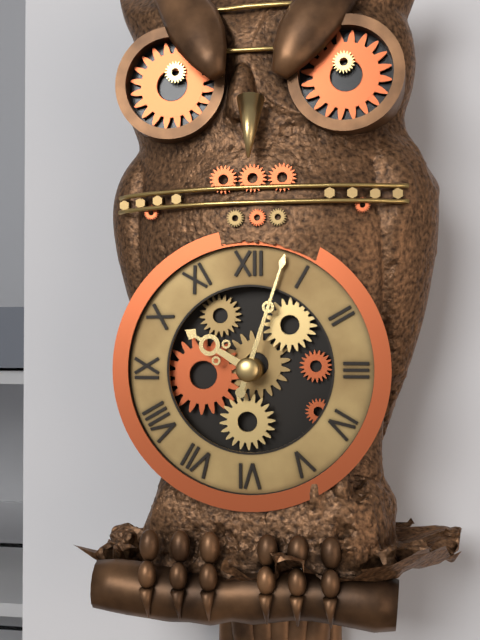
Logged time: 10:03
